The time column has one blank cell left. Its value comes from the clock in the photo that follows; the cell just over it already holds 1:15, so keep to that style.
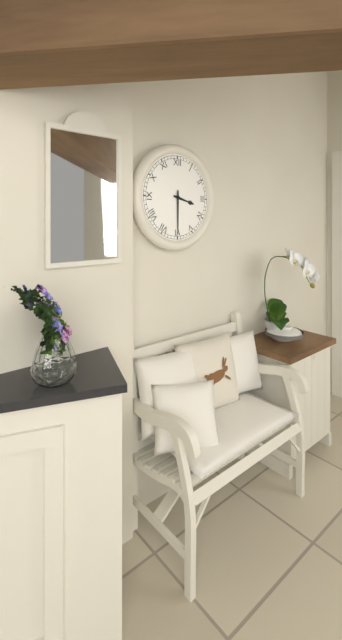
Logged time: 3:30
